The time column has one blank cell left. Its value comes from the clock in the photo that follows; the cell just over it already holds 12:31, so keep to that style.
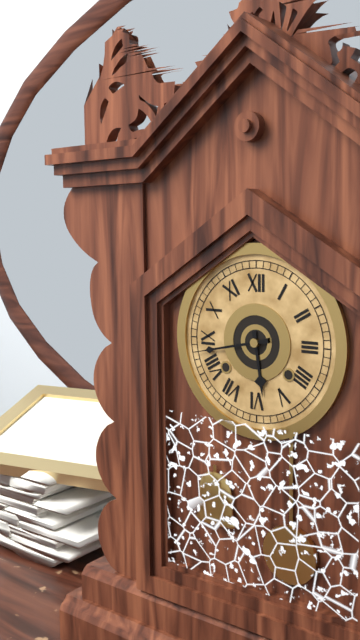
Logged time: 5:43
